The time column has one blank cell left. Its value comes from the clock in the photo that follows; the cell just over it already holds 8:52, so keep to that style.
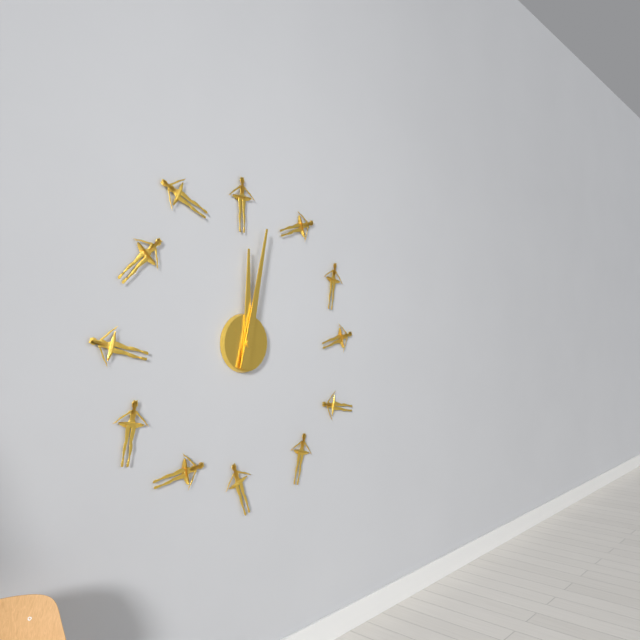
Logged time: 12:02
